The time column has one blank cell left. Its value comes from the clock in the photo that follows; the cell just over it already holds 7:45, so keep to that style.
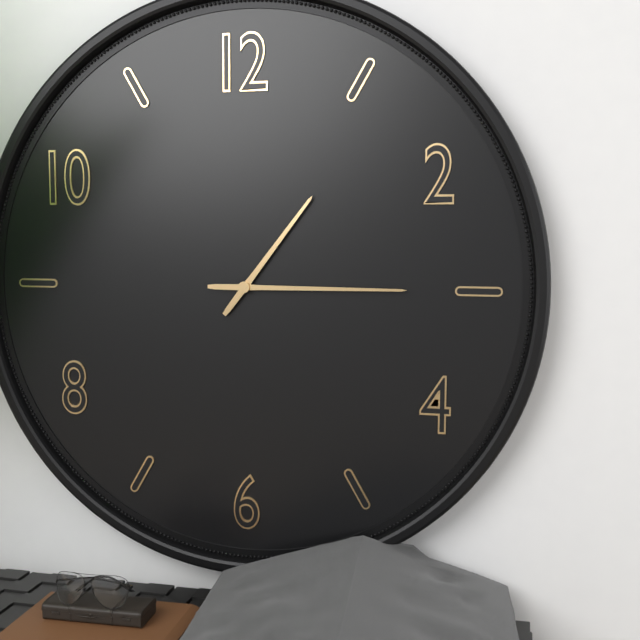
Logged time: 1:15
